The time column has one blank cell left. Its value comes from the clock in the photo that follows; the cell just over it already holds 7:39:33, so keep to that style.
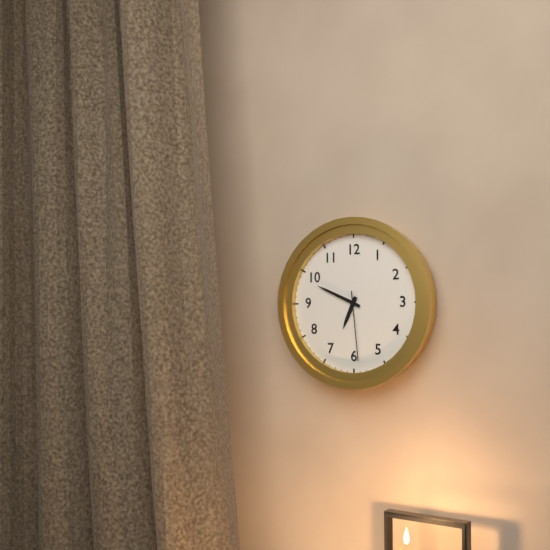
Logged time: 6:49:29
